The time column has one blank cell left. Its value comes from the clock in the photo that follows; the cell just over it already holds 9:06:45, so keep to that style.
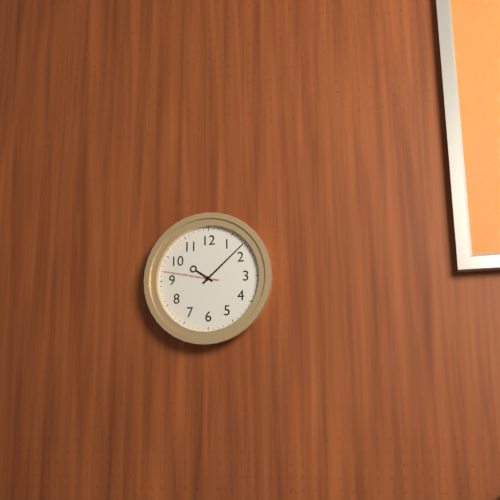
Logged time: 10:08:47
